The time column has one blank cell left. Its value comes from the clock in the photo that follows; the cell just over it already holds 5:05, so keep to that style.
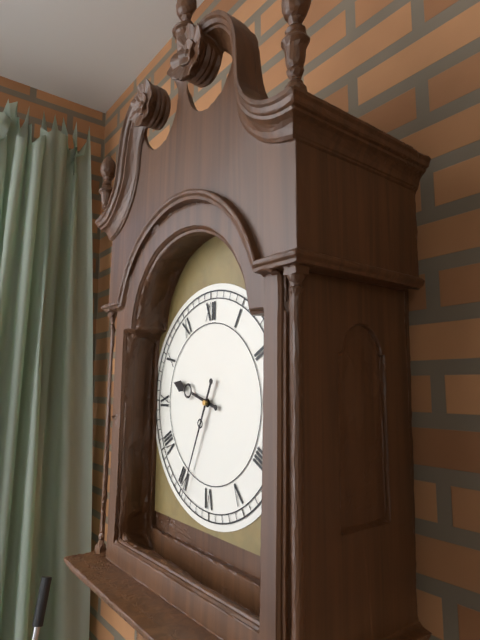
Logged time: 9:34
